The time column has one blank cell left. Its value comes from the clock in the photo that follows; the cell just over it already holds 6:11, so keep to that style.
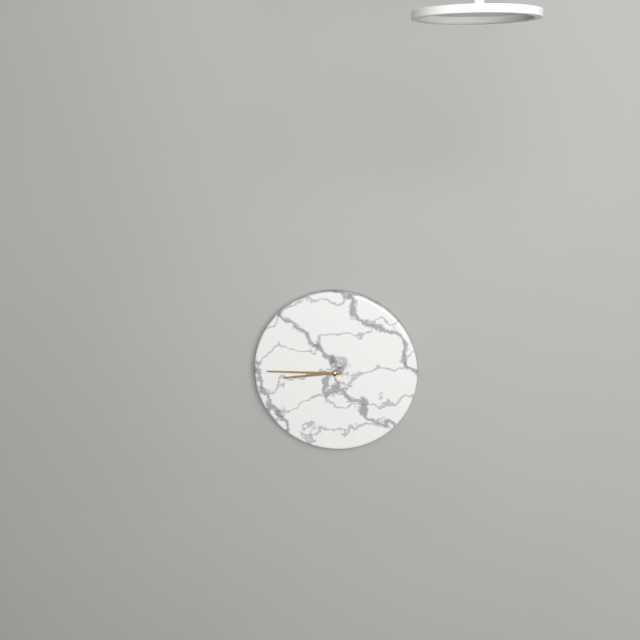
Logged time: 8:45
